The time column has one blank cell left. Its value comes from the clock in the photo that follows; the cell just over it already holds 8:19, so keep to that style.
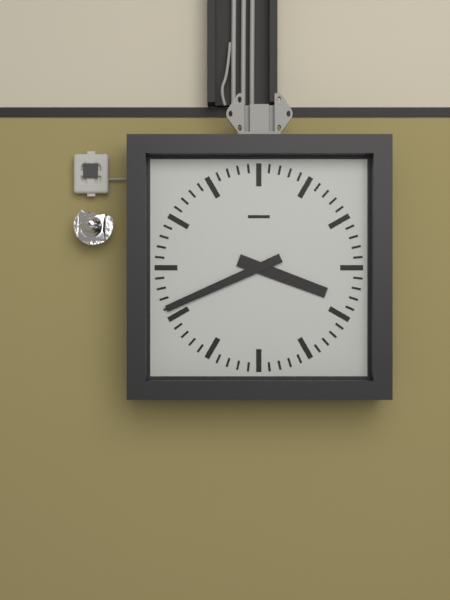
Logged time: 3:41
